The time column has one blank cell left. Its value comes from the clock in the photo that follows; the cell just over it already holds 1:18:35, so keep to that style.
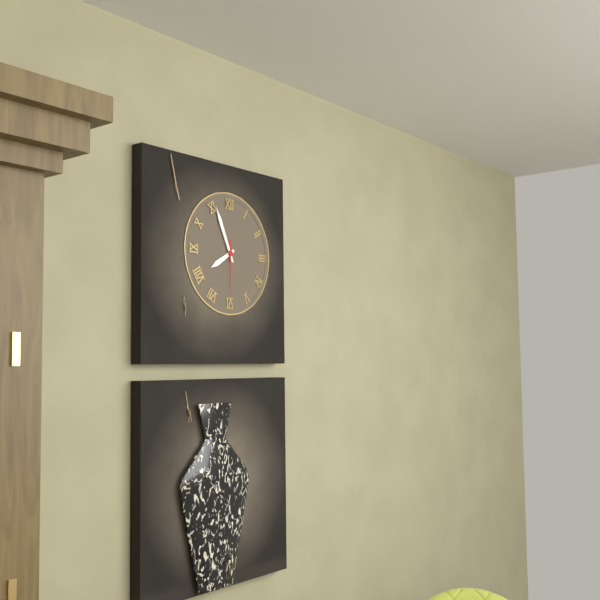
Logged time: 7:56:30
